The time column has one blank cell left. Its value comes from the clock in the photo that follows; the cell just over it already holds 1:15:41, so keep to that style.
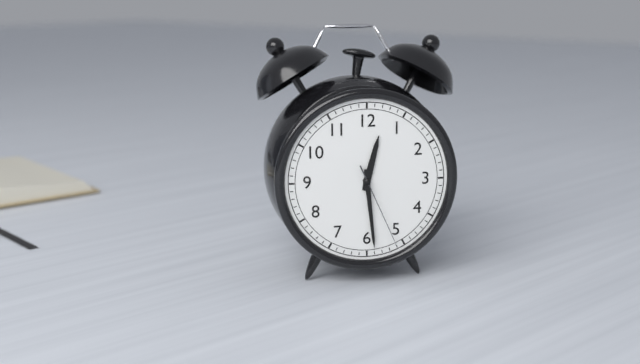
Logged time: 12:29:26
